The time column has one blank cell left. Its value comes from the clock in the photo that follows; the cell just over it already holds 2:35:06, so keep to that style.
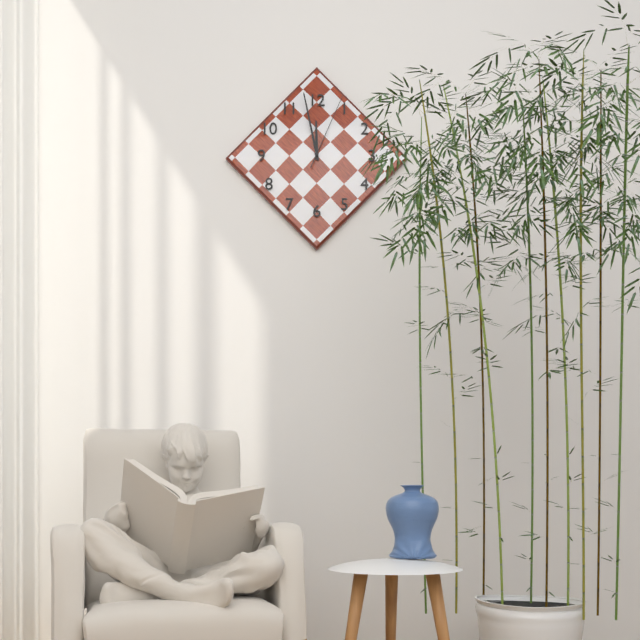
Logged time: 11:58:04
